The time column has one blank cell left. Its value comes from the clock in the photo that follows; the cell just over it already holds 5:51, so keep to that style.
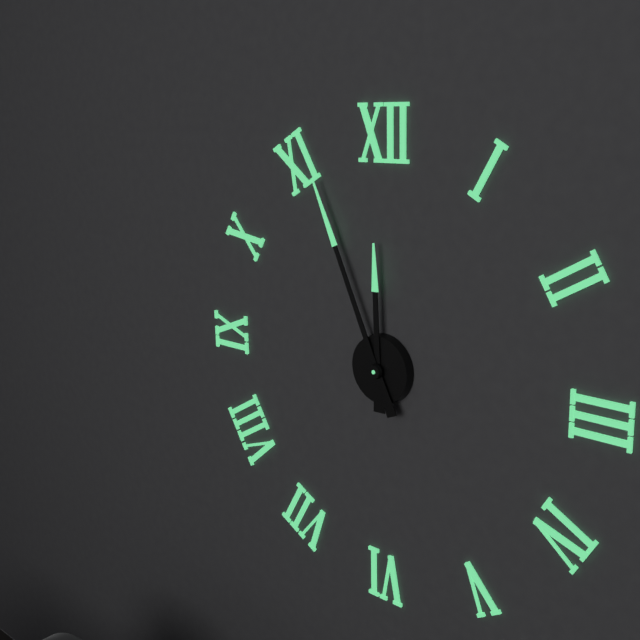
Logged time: 11:56
